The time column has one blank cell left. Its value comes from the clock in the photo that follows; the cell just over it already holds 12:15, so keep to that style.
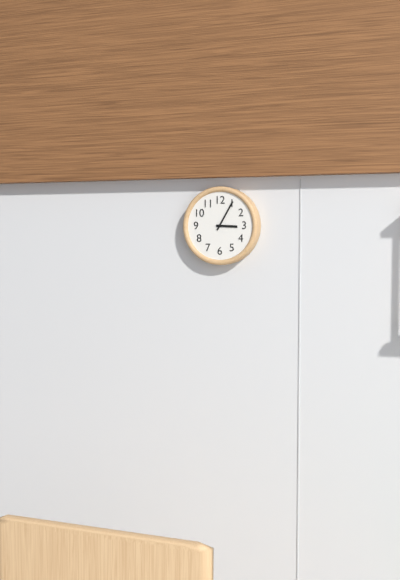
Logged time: 3:05
